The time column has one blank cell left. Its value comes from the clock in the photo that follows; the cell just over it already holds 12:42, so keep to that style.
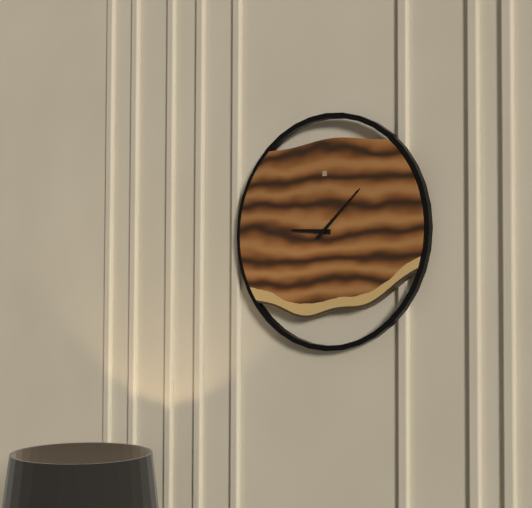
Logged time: 9:08
